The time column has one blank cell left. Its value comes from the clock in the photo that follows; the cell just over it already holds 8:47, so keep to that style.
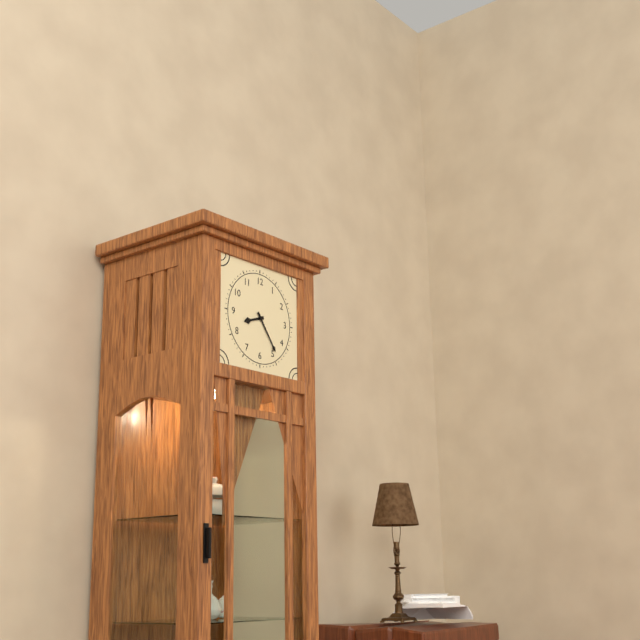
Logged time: 8:24
